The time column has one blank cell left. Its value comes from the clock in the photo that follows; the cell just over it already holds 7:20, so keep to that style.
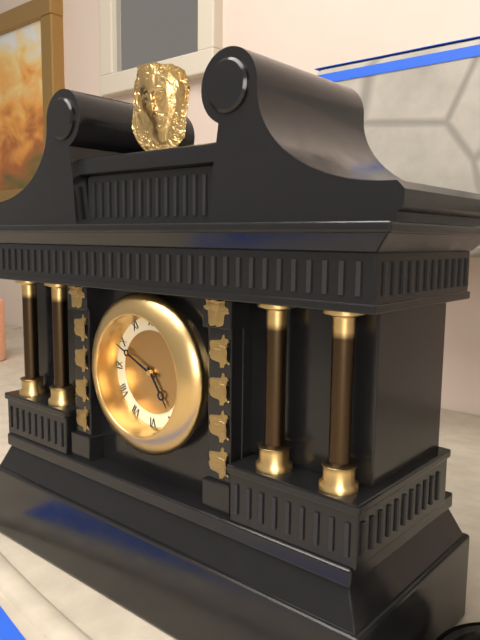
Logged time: 4:49
